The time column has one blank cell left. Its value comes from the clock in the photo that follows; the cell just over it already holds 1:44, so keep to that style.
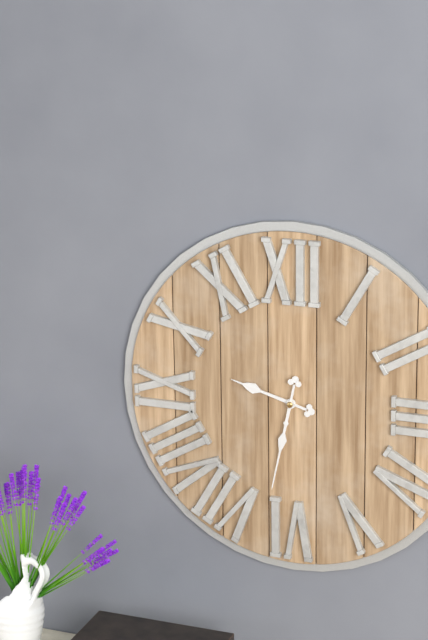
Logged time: 9:32
